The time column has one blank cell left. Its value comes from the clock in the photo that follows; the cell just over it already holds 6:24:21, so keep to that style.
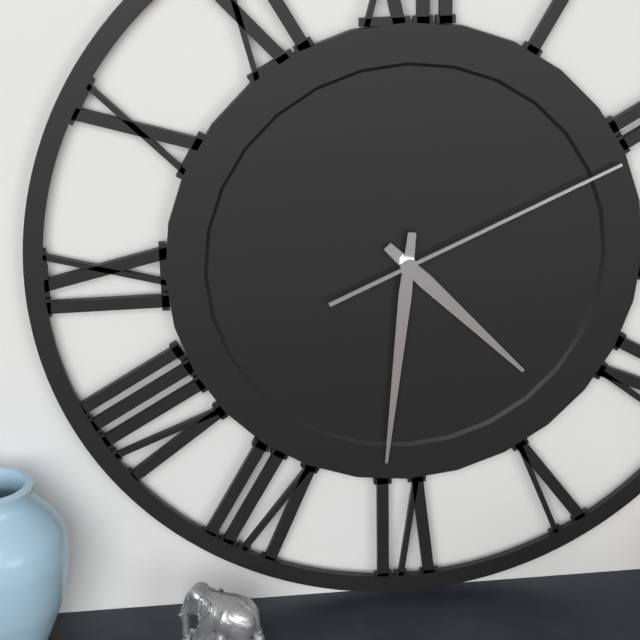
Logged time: 4:31:11
